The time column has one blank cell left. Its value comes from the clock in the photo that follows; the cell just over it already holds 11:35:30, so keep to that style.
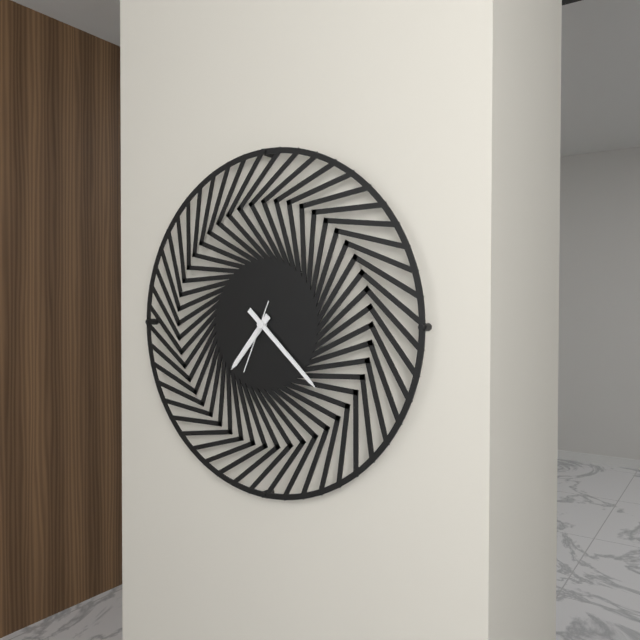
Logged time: 7:22:34
